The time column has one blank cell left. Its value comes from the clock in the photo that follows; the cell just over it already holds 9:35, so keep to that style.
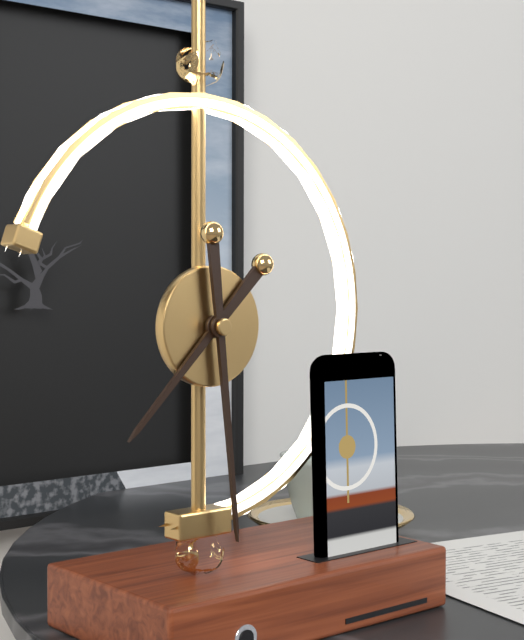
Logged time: 7:29
